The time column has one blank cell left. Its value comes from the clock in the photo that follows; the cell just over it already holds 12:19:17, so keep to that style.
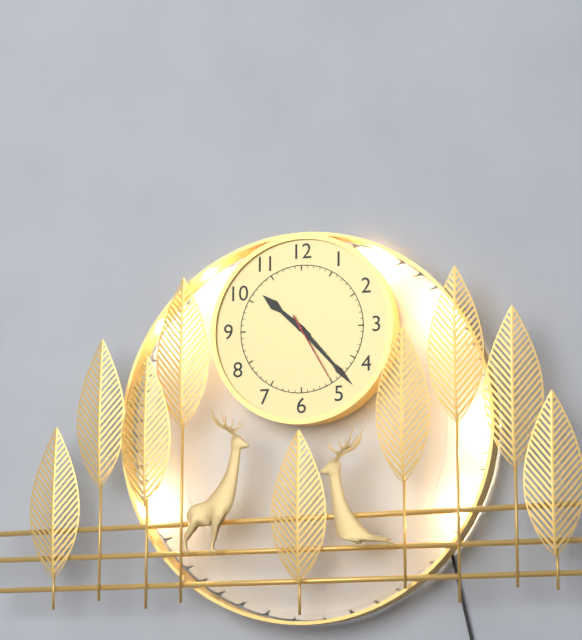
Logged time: 10:23:25
